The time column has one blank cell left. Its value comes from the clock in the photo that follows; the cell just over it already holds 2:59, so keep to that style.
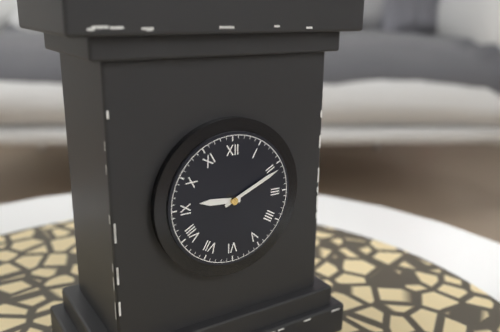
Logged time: 9:11
